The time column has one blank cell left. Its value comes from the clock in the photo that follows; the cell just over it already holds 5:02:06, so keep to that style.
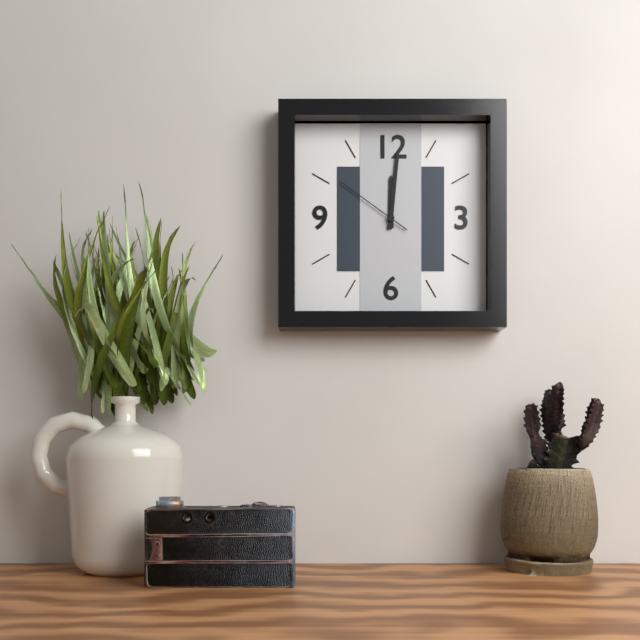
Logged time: 12:01:51
